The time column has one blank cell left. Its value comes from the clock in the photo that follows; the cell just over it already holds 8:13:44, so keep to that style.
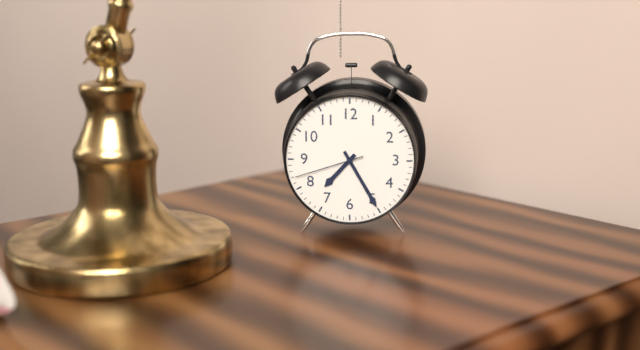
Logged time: 7:25:42
